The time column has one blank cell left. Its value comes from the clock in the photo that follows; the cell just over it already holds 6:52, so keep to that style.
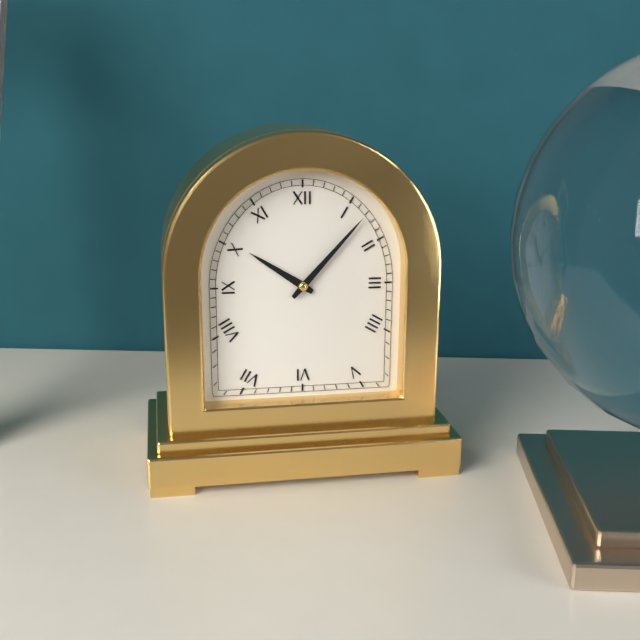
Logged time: 10:07
